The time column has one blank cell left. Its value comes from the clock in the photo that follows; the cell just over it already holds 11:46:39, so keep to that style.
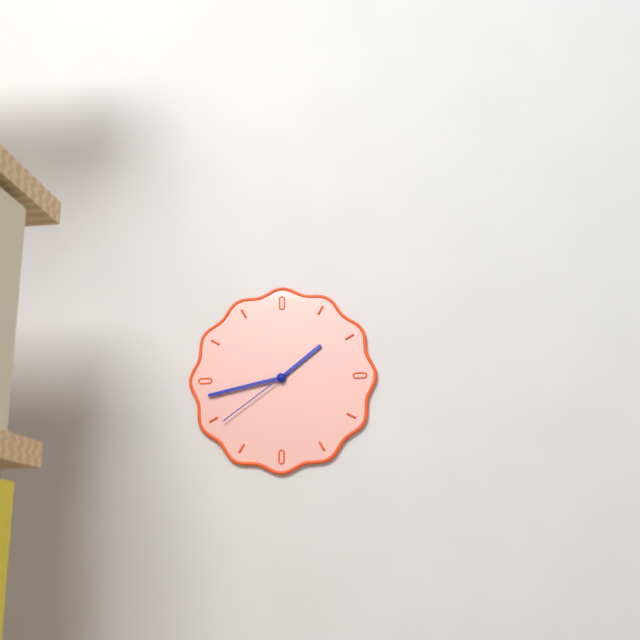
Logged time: 1:43:39
